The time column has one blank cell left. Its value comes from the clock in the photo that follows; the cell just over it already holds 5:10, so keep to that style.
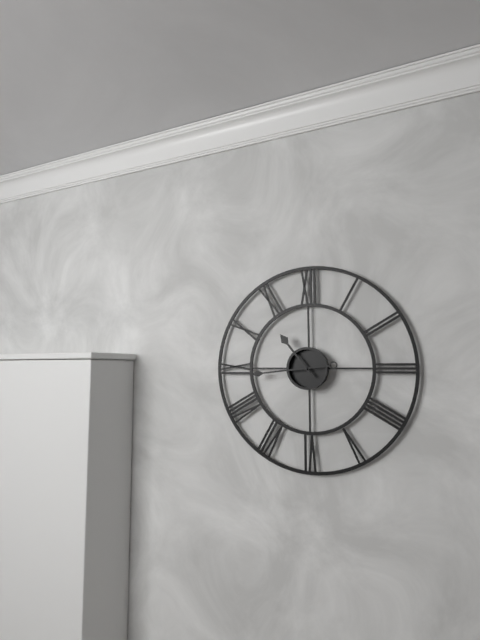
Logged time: 10:44
